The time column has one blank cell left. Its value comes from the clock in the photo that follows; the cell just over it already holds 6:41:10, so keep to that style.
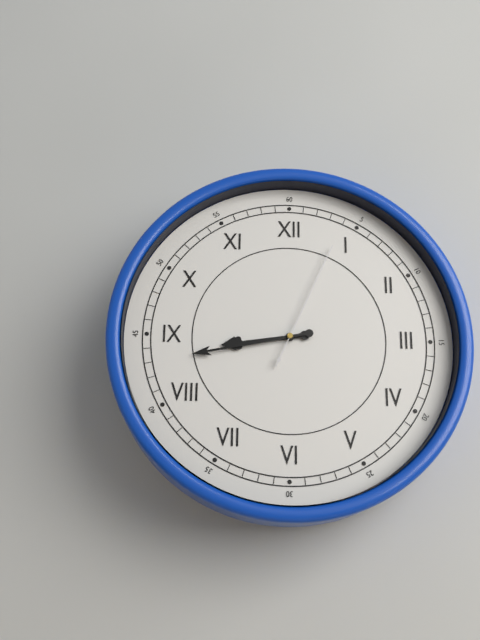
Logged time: 8:43:04
